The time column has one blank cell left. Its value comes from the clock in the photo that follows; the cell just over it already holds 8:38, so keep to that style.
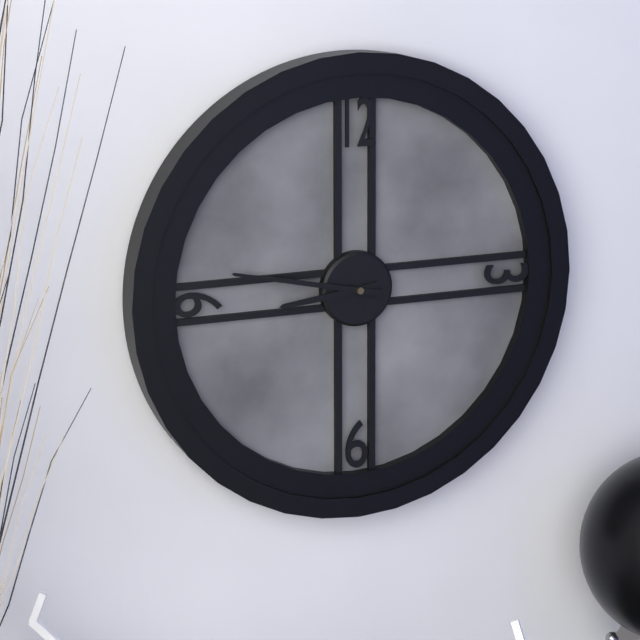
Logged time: 8:47
